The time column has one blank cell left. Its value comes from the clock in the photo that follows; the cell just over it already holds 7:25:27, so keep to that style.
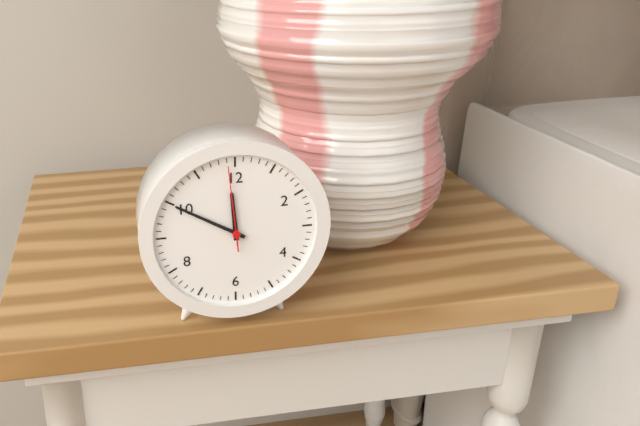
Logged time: 11:50:59
